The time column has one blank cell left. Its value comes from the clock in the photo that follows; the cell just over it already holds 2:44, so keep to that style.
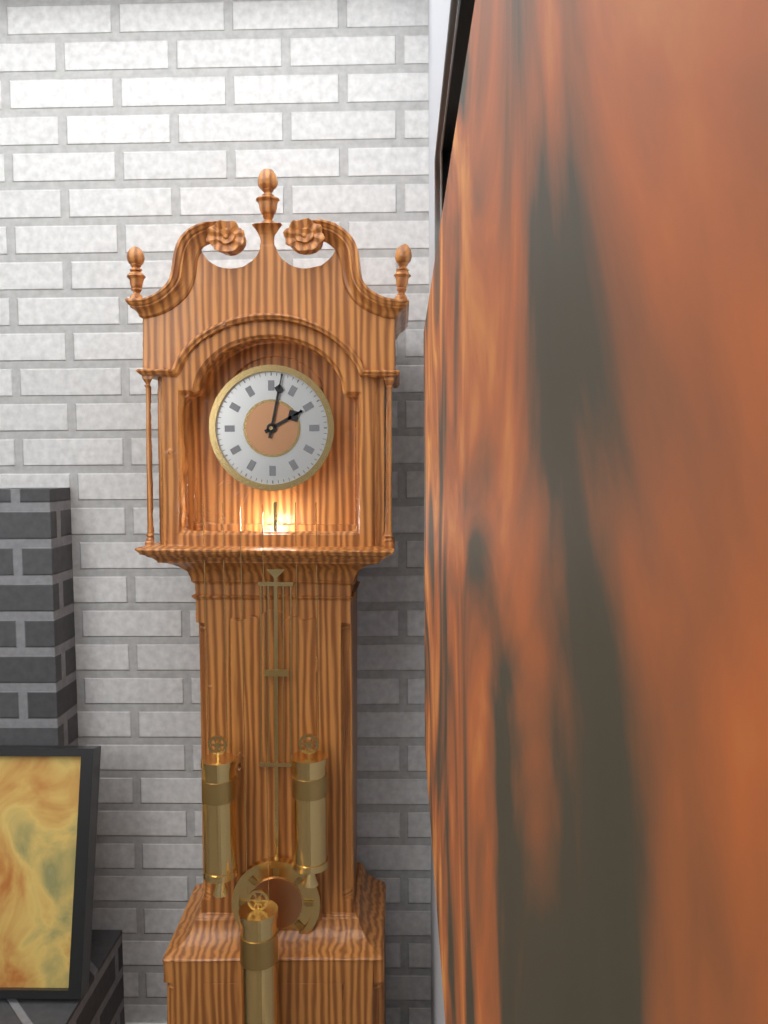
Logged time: 2:02
